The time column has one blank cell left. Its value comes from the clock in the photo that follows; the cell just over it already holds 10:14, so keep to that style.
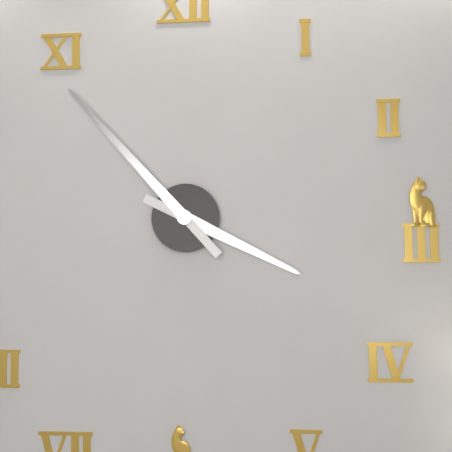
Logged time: 3:53
